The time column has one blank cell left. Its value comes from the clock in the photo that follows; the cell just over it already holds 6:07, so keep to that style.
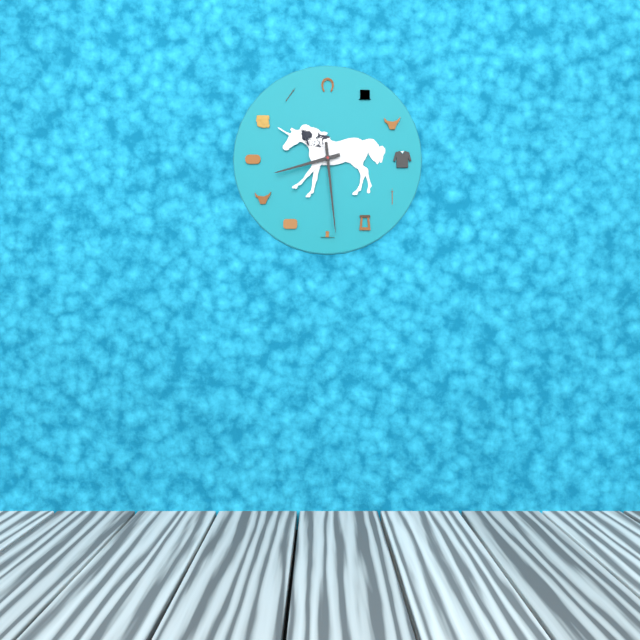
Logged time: 8:29
